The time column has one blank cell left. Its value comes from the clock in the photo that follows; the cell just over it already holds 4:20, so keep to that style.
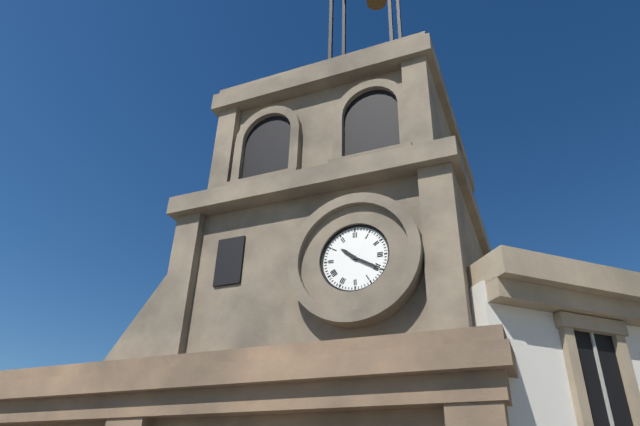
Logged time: 10:20
